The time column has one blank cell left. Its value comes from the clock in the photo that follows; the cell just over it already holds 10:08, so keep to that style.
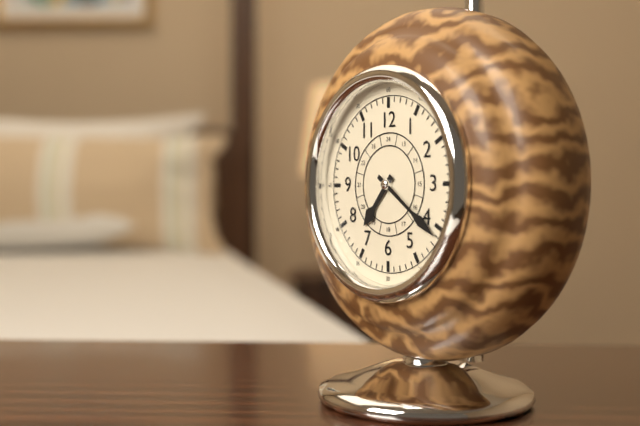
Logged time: 7:21
